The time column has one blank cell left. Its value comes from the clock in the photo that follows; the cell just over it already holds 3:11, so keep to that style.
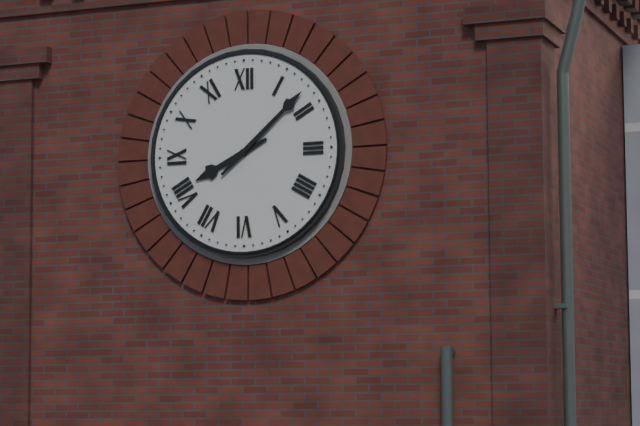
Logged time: 8:08
